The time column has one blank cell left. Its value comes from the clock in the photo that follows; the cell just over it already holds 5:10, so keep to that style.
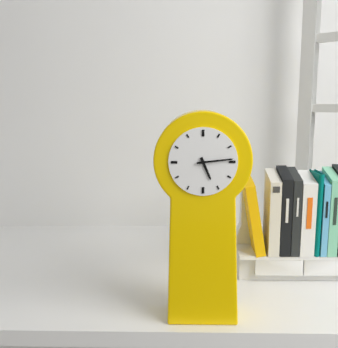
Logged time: 5:14
